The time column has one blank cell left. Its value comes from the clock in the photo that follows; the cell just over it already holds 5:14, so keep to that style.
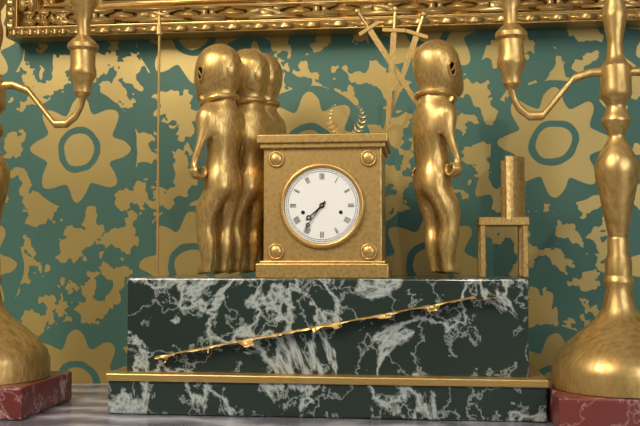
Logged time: 7:36
